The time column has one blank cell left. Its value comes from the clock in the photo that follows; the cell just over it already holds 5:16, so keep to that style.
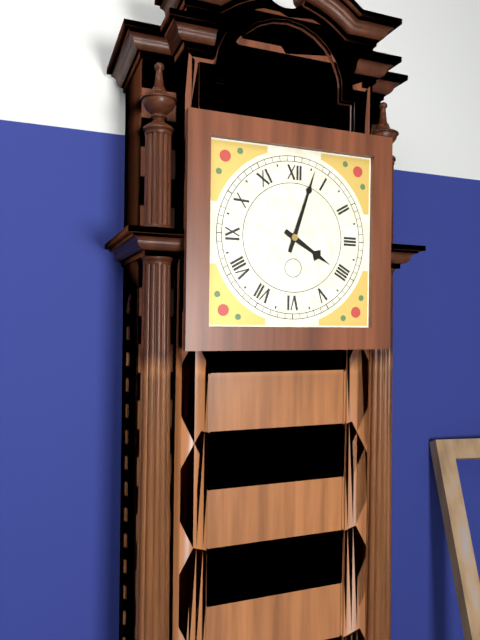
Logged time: 4:03
